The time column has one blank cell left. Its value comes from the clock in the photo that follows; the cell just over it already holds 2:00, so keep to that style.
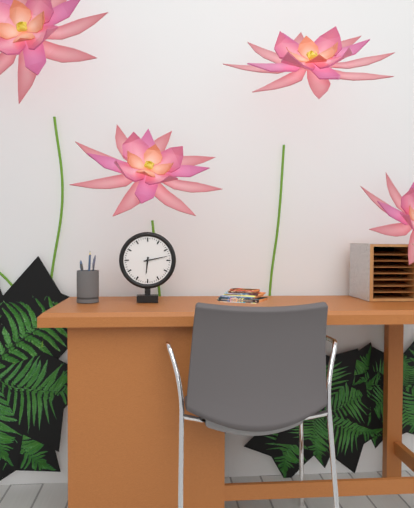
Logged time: 6:13
